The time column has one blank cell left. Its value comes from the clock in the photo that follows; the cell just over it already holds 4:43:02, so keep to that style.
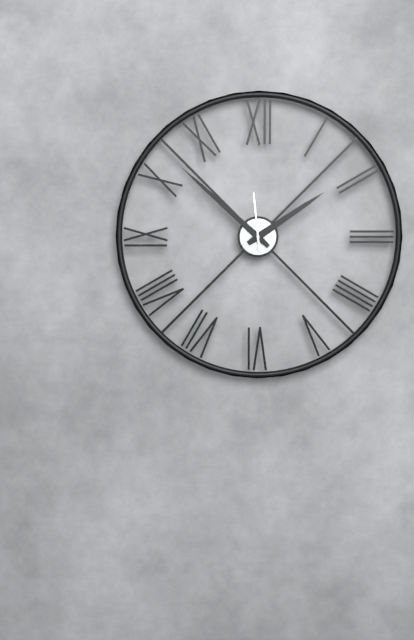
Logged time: 1:52:59
